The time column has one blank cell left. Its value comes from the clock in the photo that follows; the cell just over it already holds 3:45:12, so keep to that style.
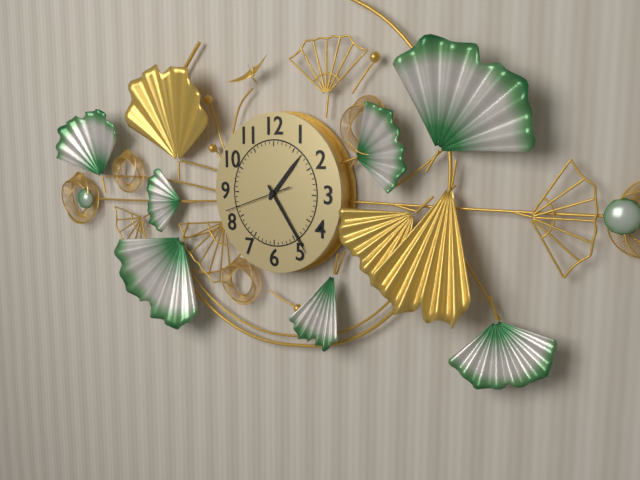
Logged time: 1:24:42
